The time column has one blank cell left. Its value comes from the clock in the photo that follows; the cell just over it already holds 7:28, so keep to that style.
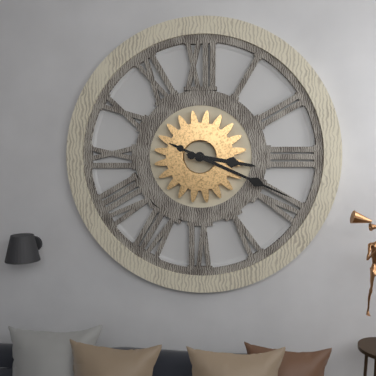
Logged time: 3:19
